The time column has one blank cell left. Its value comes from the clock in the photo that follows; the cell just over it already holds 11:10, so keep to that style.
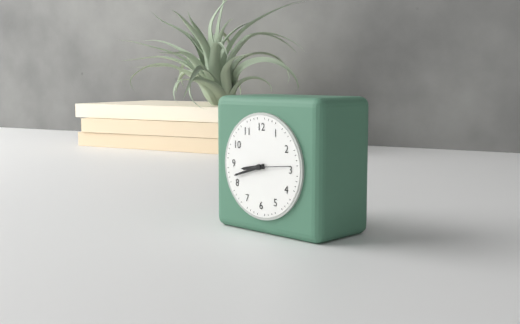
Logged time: 8:42
